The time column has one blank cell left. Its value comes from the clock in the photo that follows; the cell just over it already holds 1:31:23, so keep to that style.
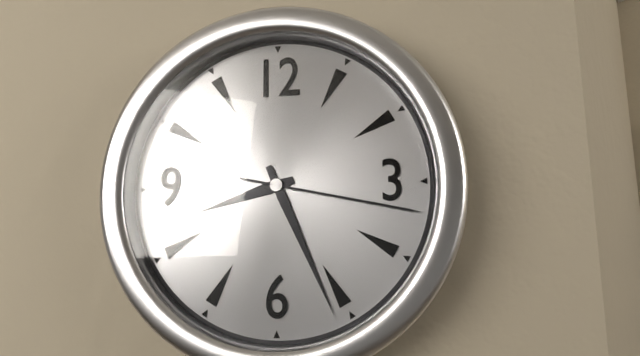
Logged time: 8:26:17
